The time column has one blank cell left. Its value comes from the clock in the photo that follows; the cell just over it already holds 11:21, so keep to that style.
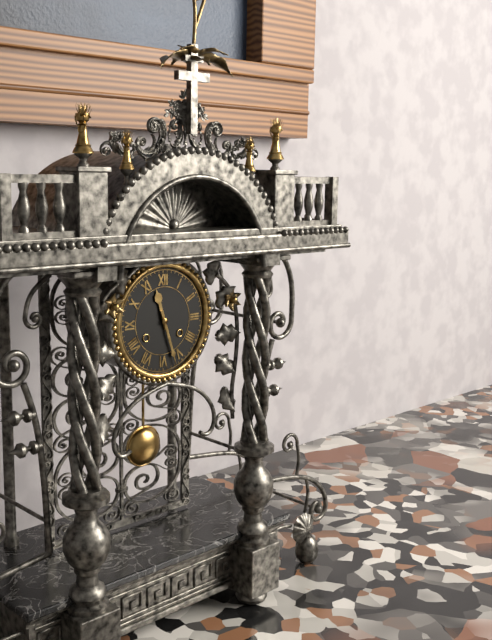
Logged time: 11:27
